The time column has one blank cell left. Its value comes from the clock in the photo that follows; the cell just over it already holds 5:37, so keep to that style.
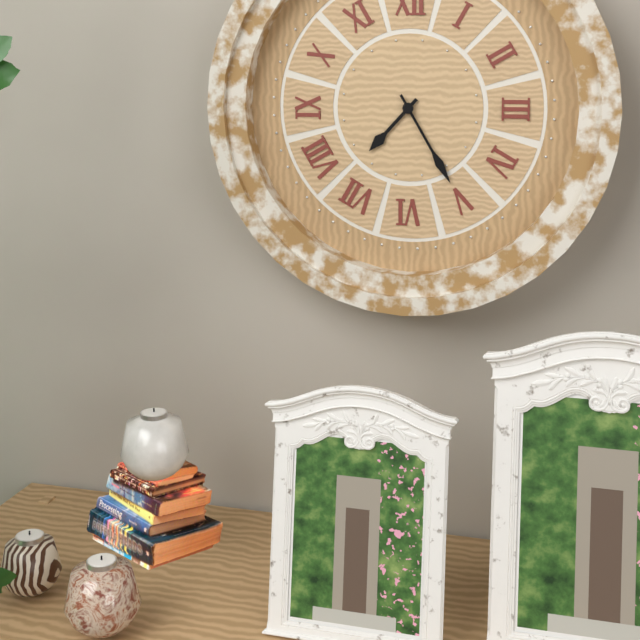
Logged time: 7:25
